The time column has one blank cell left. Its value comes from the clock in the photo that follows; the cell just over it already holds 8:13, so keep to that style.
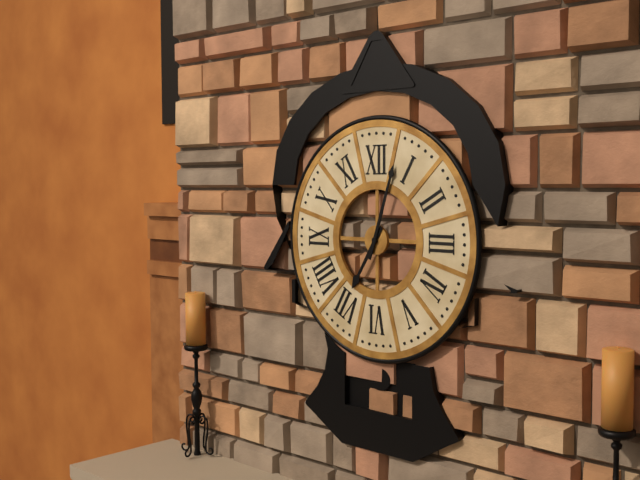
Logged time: 7:03
